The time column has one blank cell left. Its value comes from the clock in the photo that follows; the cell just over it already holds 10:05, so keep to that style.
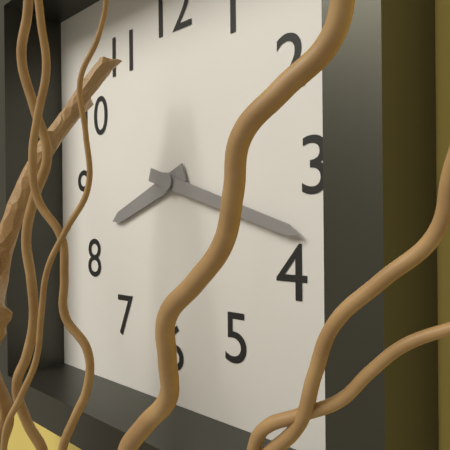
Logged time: 8:18
